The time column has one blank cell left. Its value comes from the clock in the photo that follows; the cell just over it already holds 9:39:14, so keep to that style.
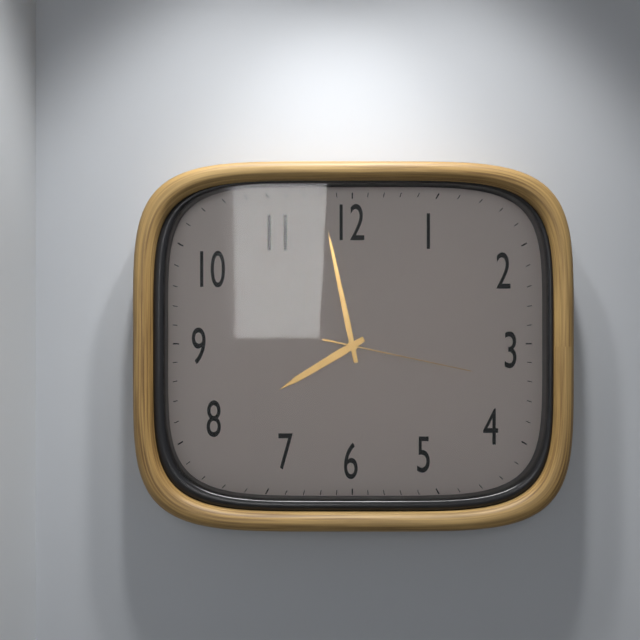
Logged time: 7:58:17
